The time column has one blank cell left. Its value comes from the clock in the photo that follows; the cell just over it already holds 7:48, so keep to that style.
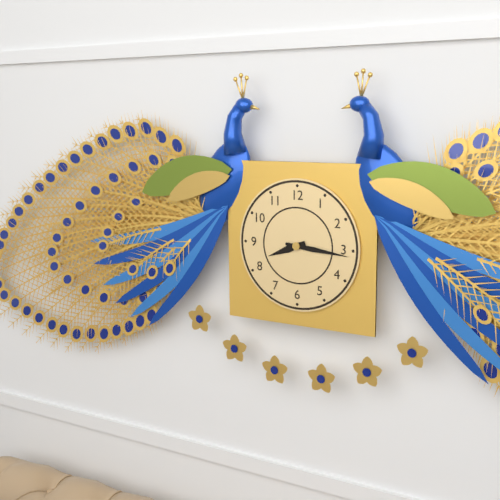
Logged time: 8:16
